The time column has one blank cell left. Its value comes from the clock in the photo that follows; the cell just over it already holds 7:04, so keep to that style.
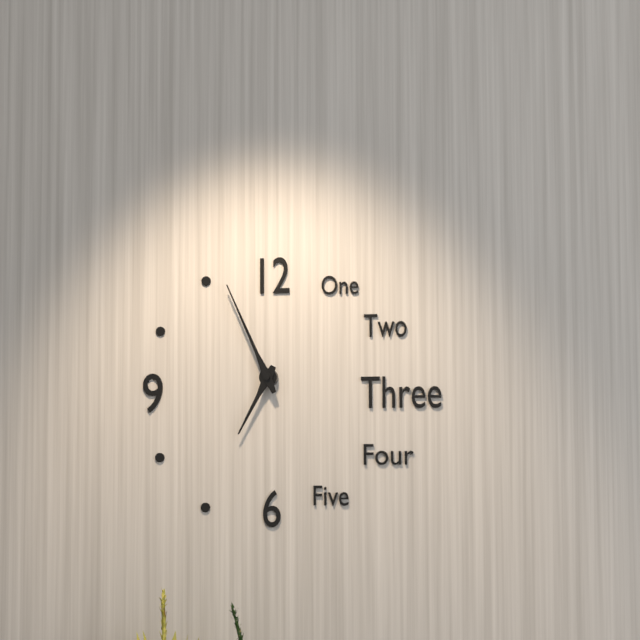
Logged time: 6:56
